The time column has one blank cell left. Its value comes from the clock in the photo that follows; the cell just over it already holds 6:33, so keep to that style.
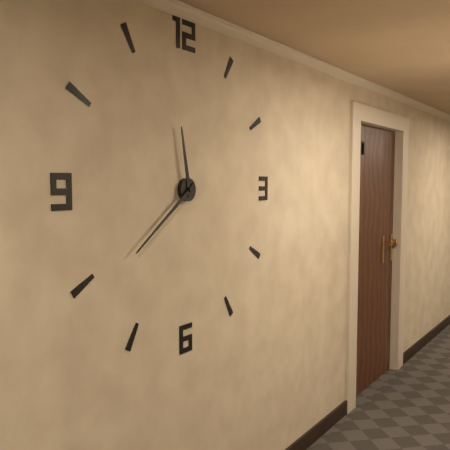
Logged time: 11:39
